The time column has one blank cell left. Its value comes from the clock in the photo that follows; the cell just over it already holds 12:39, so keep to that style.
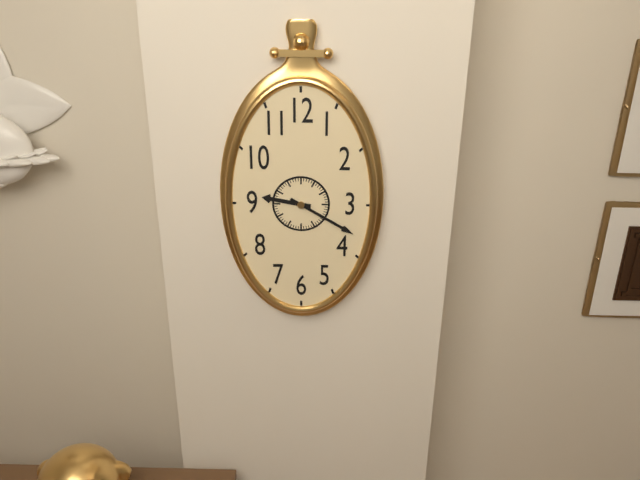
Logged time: 9:20
